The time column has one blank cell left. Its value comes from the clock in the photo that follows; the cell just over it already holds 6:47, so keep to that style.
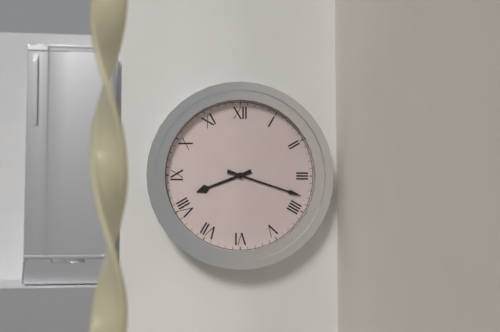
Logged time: 8:18
